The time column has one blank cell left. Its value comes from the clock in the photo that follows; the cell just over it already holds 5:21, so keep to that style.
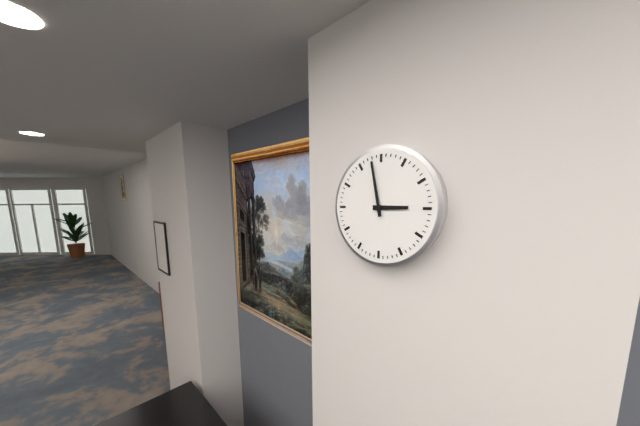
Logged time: 2:58
